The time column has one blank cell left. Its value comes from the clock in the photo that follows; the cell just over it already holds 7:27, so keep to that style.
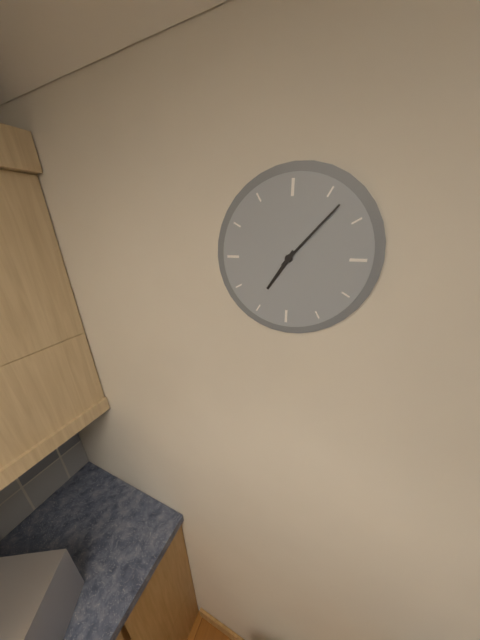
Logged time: 7:07
